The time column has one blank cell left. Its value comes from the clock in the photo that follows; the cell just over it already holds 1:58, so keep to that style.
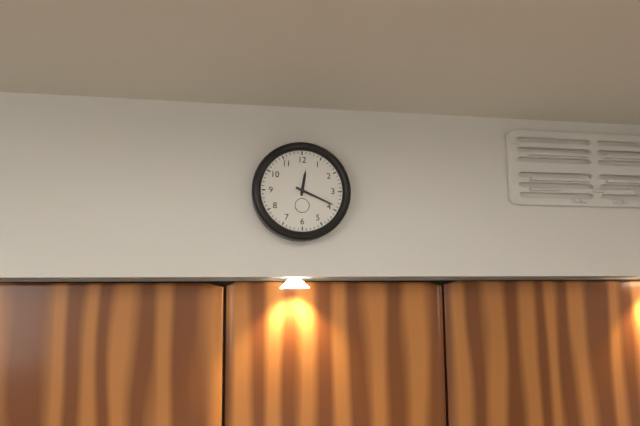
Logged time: 12:19
